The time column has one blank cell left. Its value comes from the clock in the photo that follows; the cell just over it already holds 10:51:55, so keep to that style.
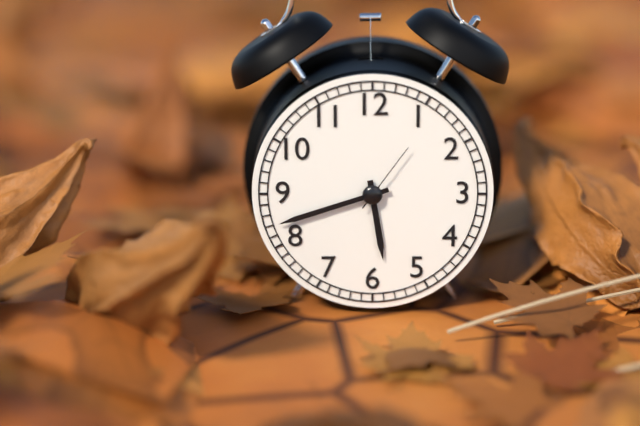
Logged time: 5:42:06
